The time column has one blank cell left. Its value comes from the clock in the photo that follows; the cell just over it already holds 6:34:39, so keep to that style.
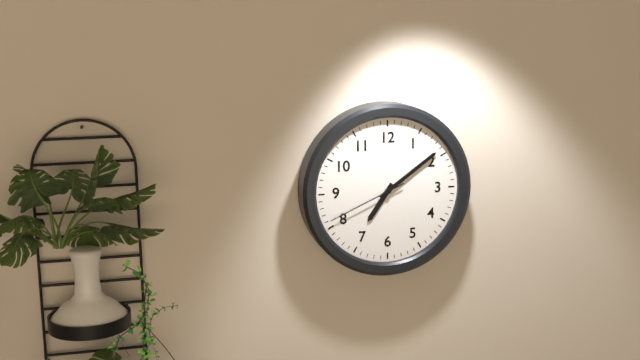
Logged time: 7:09:41
